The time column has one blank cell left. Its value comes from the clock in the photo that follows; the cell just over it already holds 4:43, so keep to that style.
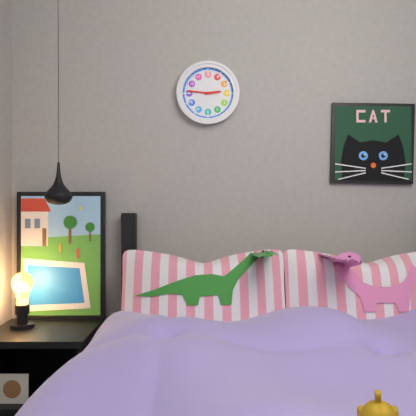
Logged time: 2:46
